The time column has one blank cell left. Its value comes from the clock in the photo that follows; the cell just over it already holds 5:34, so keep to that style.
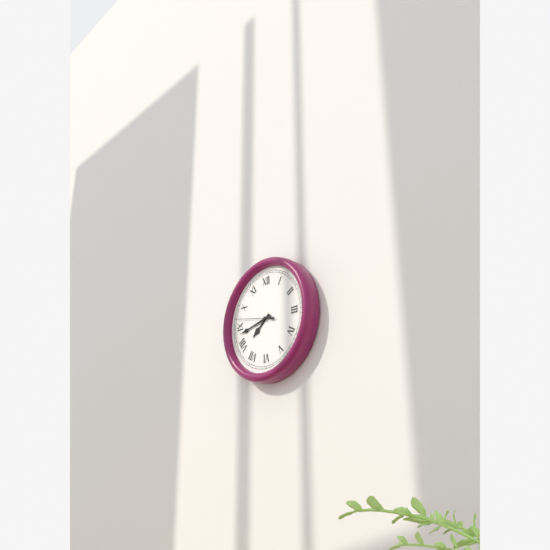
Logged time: 7:43
